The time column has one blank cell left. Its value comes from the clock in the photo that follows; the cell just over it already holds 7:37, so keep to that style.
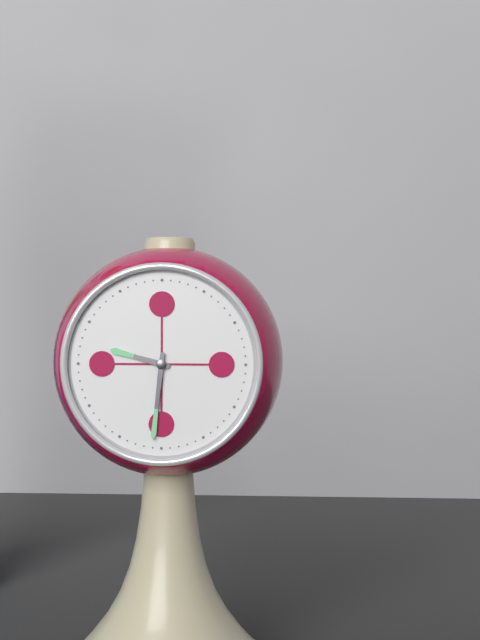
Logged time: 9:31
